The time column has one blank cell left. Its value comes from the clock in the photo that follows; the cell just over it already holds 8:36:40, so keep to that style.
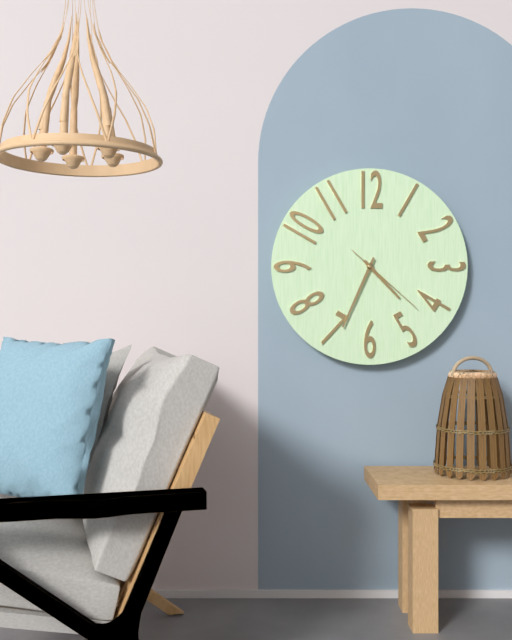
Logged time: 4:34:22
